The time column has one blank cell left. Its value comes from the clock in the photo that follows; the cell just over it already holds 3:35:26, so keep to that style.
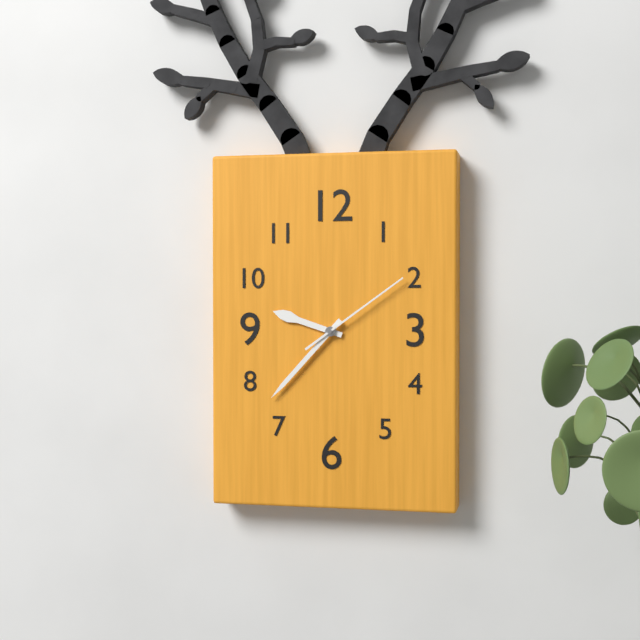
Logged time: 9:37:09
